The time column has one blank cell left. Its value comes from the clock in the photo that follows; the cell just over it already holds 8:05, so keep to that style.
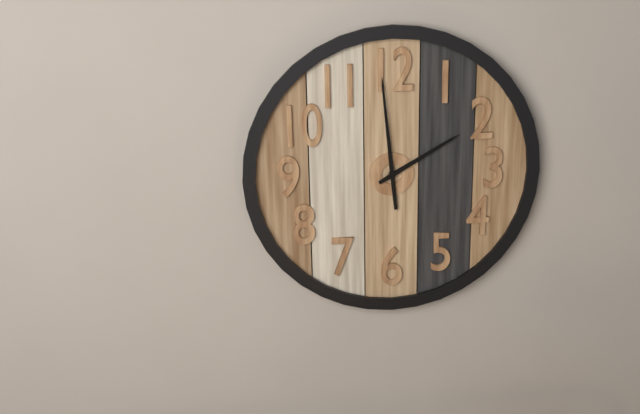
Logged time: 1:59
